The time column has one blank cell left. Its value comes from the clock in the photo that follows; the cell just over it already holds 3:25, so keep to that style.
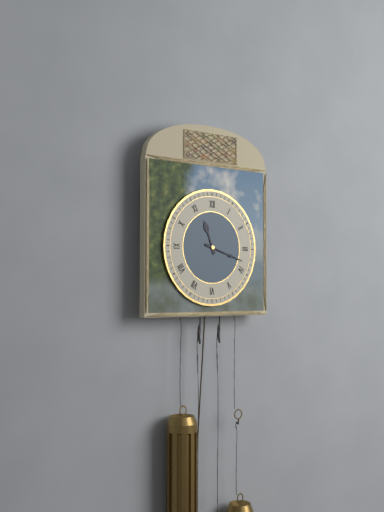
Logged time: 11:18
